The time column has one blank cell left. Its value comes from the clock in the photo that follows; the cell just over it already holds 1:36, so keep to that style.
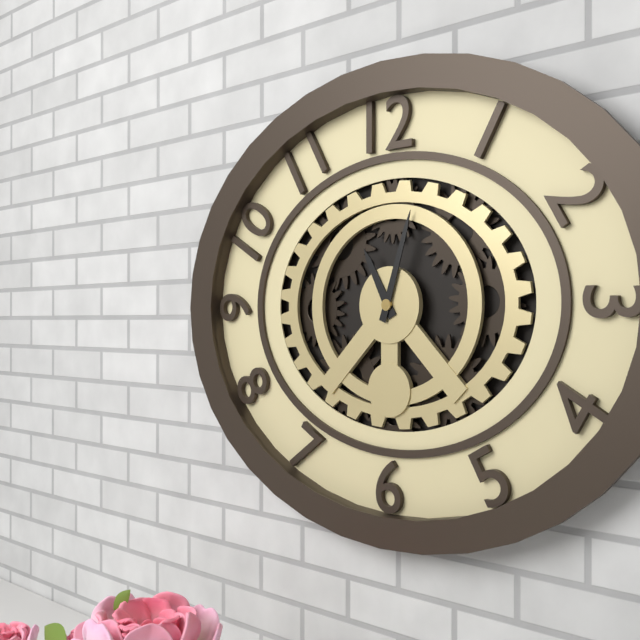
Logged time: 11:03
